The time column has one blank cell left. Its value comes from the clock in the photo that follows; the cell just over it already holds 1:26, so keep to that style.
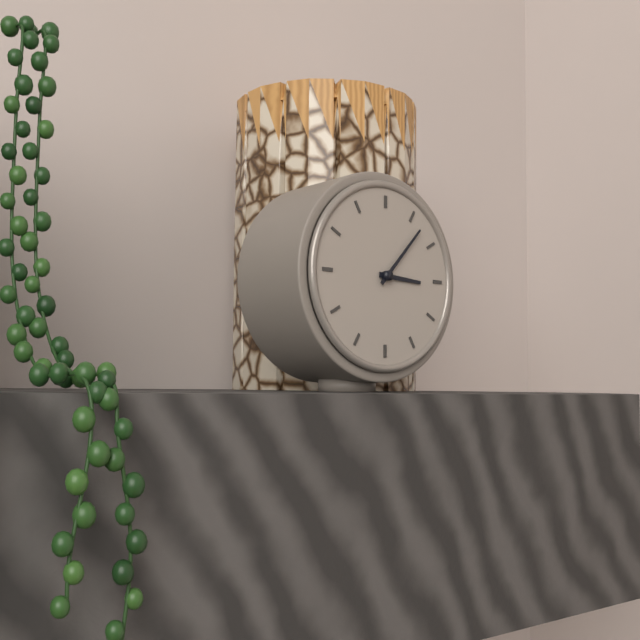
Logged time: 3:07
